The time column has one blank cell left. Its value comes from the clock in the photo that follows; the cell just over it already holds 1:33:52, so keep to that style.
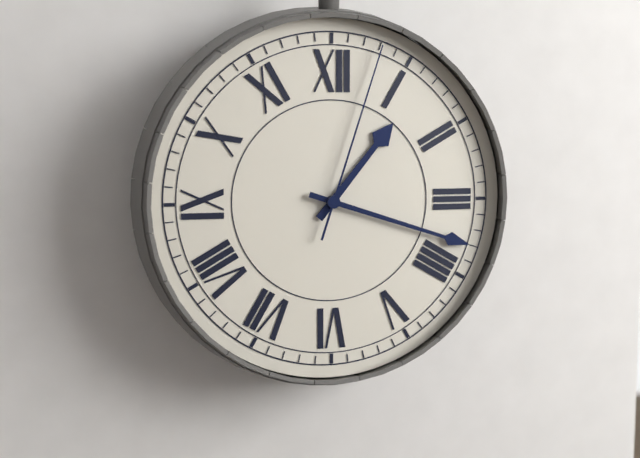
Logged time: 1:18:03
